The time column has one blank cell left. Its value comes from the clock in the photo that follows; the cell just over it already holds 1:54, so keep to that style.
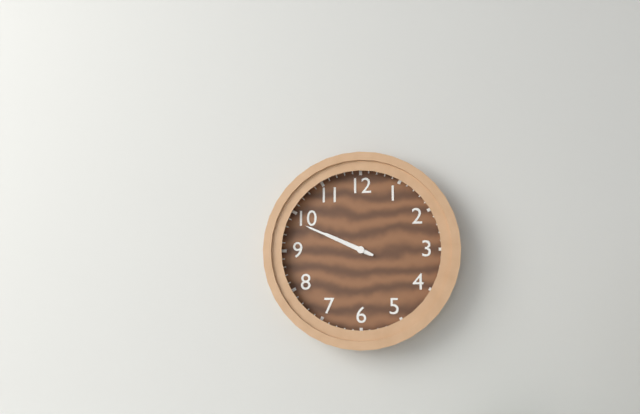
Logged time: 9:49
